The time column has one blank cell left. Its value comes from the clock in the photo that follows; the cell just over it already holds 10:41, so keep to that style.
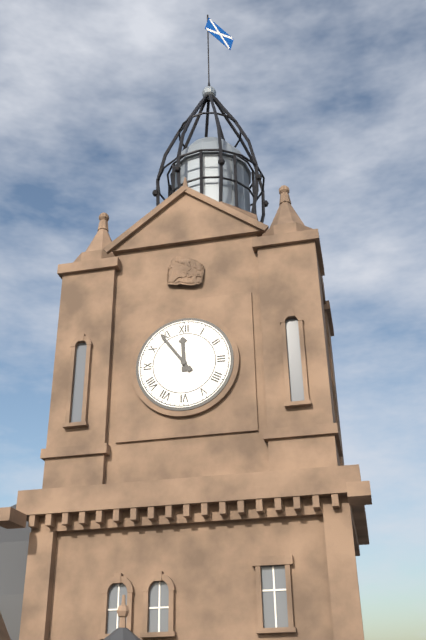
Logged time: 11:54
